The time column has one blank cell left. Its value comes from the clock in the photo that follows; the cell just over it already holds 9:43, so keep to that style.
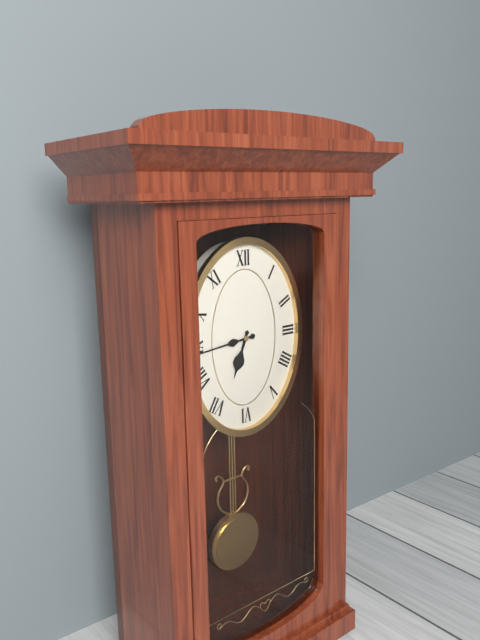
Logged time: 6:44
